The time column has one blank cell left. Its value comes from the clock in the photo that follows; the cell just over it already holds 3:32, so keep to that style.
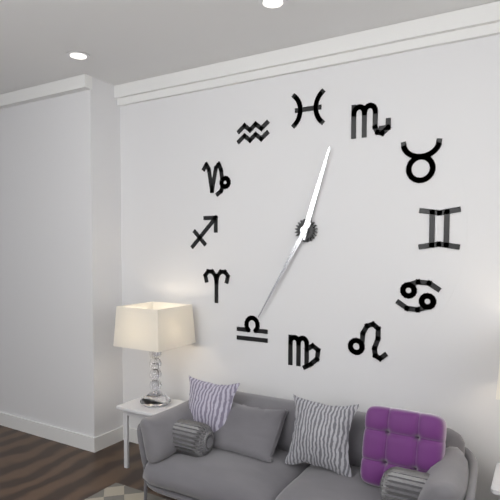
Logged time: 12:35
